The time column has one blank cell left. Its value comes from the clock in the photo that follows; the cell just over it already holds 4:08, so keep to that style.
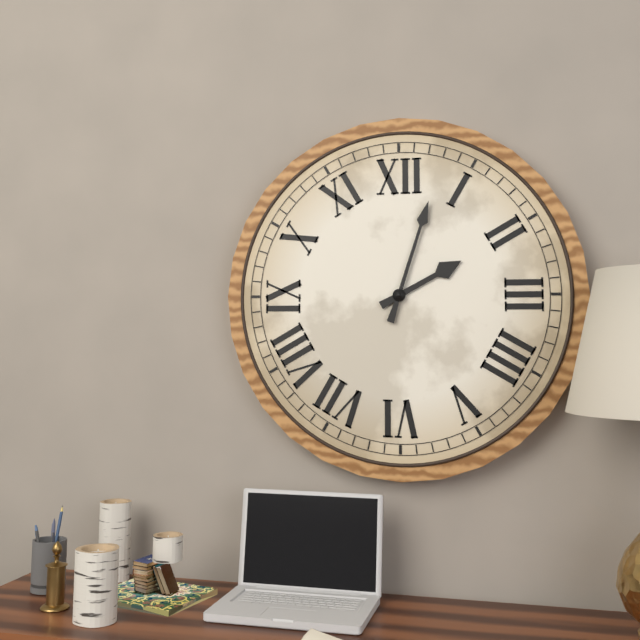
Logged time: 2:03
